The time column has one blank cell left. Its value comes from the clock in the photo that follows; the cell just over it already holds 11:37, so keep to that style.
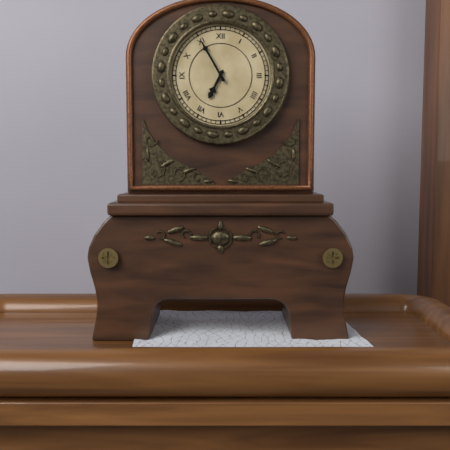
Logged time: 6:55
